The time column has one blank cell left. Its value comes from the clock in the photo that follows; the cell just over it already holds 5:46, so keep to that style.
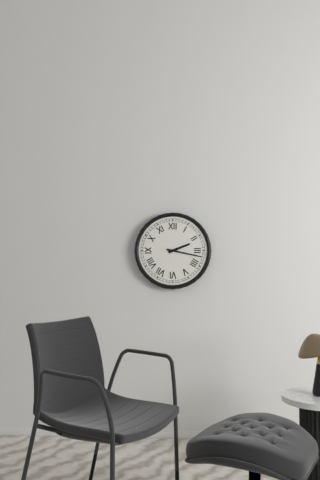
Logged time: 2:17
